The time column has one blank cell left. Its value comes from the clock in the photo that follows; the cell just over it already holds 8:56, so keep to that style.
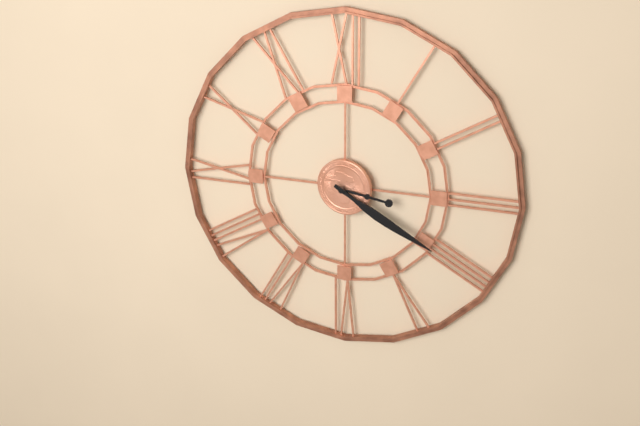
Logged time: 3:20
